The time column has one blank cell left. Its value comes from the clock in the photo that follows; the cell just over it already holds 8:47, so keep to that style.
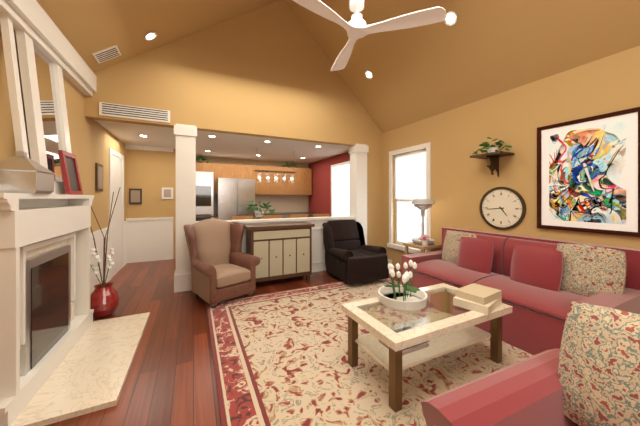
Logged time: 4:44
